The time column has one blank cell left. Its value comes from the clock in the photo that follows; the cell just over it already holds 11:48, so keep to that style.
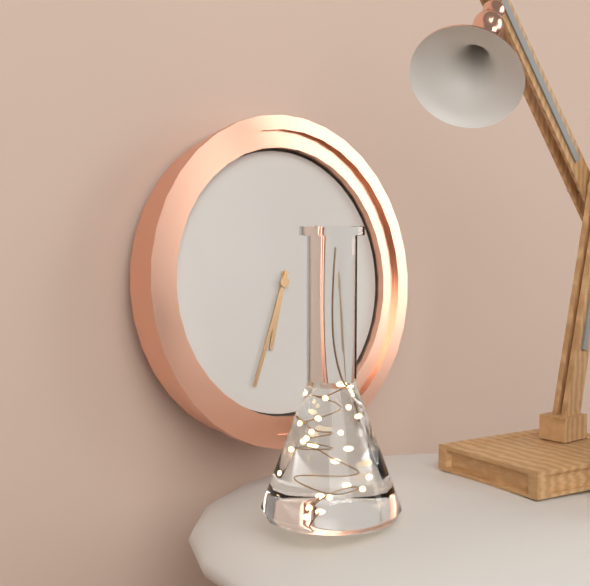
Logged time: 6:34
